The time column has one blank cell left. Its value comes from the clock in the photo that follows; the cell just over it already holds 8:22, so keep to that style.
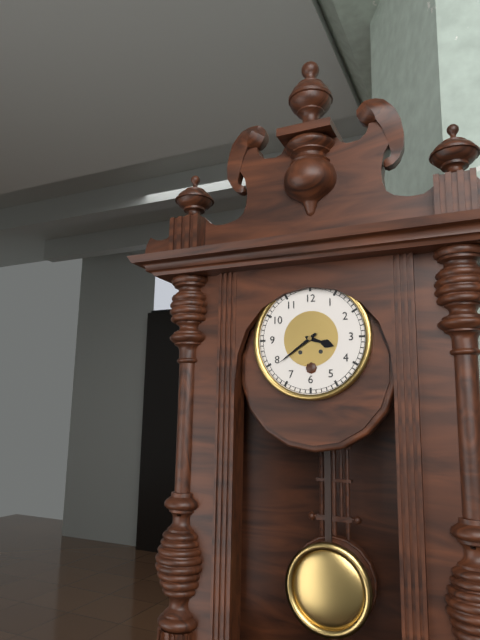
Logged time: 3:39
